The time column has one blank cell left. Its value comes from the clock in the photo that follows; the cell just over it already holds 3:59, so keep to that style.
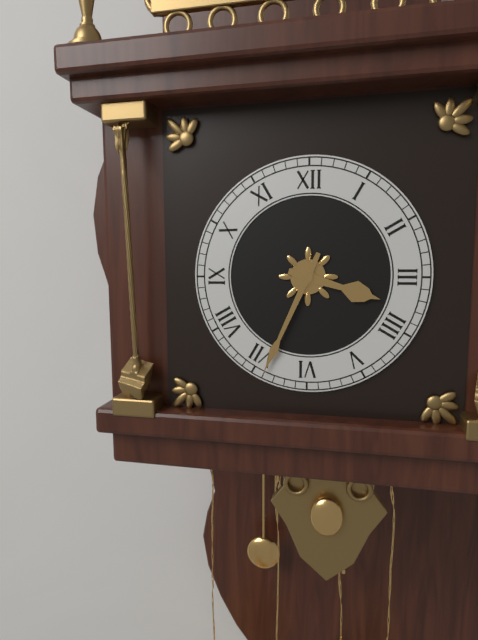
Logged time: 3:34
